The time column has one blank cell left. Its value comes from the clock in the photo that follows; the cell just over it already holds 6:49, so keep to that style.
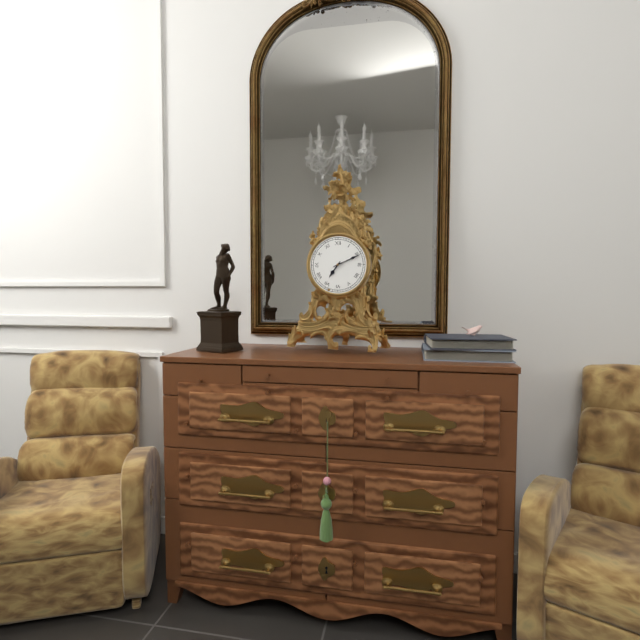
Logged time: 7:11
